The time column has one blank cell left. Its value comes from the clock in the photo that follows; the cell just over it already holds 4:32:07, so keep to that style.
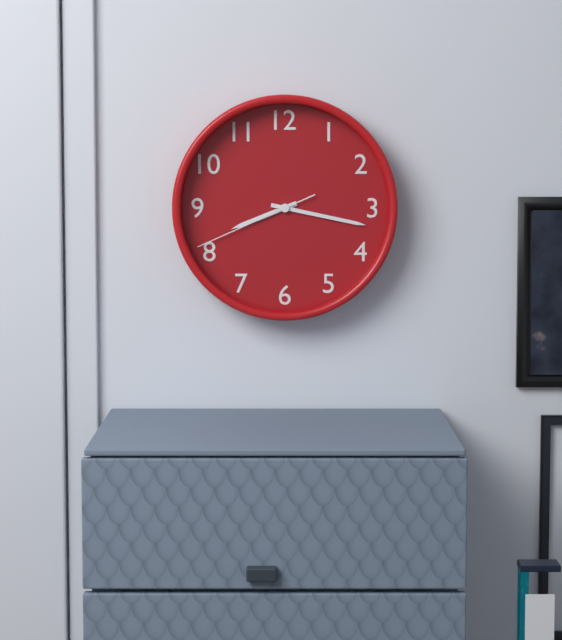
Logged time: 8:17:41
